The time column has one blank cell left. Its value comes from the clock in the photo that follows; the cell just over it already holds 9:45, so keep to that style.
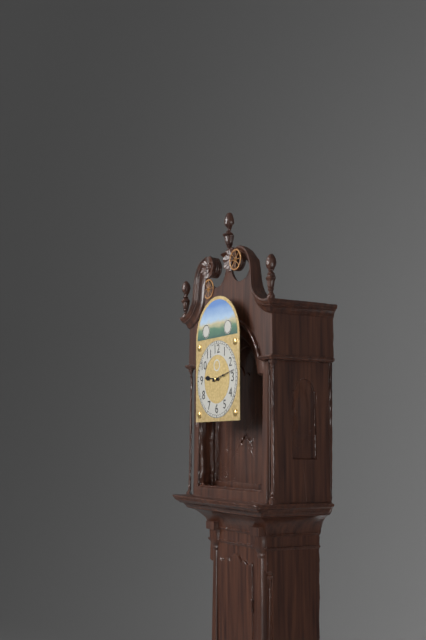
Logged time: 9:13
